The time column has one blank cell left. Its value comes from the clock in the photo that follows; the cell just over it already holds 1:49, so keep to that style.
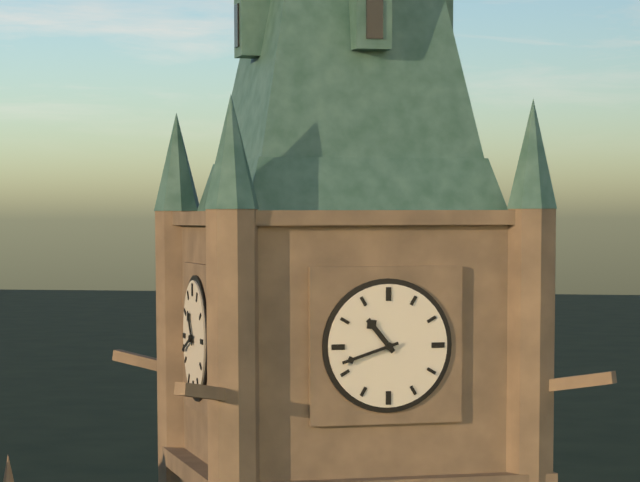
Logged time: 10:42
